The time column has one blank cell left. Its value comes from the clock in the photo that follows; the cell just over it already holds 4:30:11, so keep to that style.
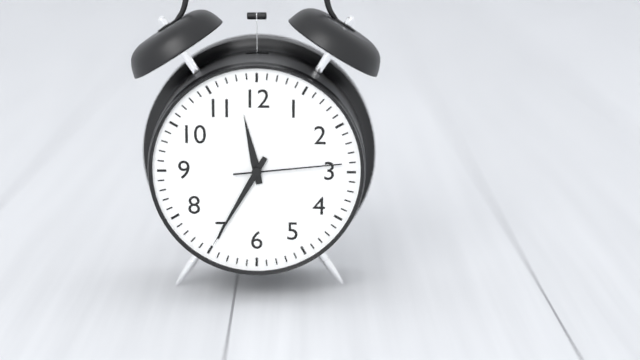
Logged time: 11:35:14
